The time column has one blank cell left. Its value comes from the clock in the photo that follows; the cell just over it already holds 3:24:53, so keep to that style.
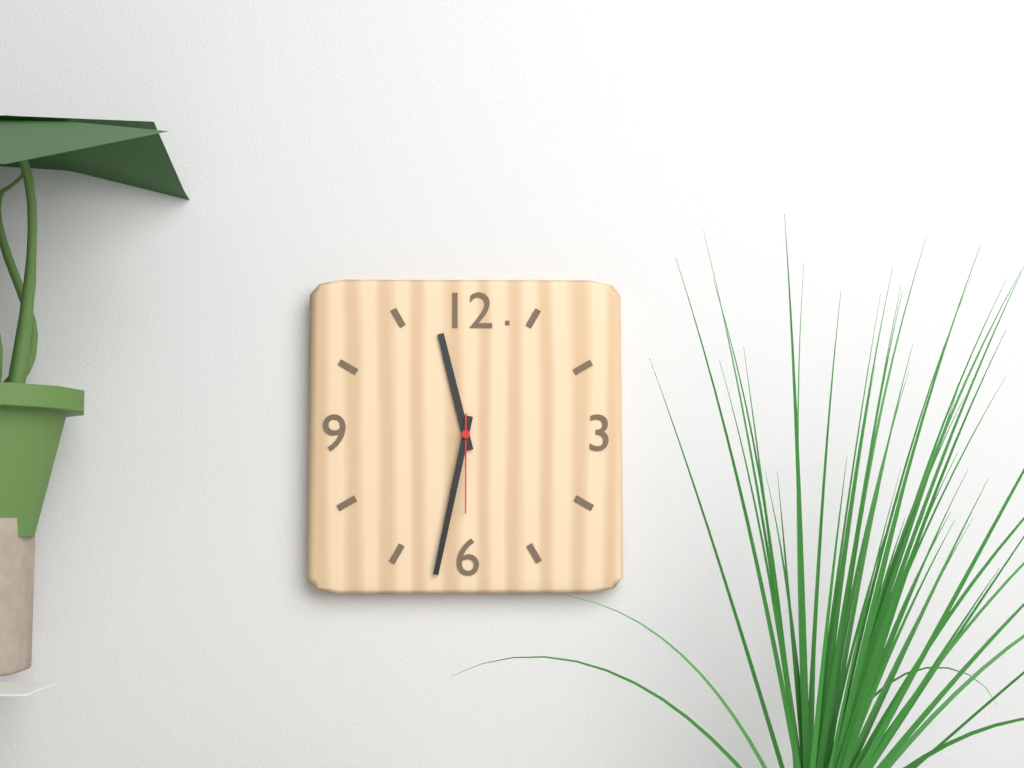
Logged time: 11:32:30
